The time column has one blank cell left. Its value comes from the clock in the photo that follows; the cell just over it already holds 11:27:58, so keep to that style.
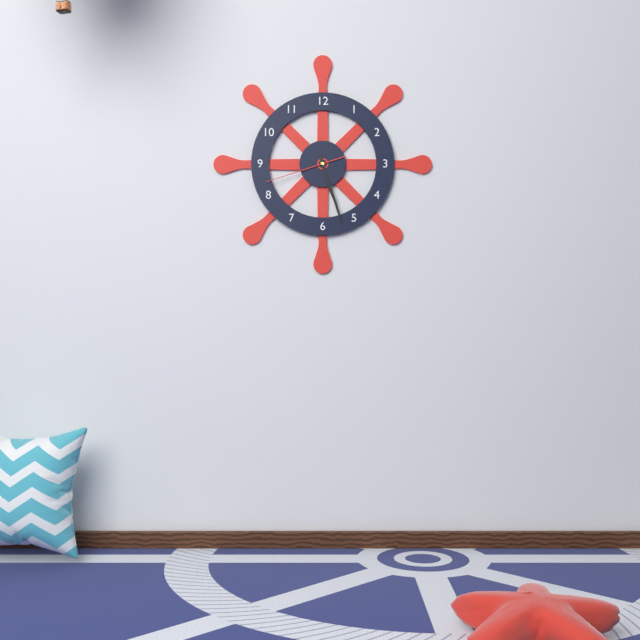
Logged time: 5:27:42
